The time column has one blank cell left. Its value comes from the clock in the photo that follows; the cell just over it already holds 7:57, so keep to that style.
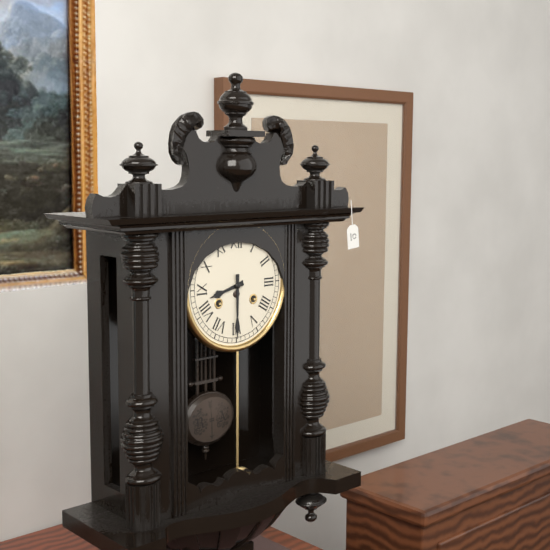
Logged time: 8:30
